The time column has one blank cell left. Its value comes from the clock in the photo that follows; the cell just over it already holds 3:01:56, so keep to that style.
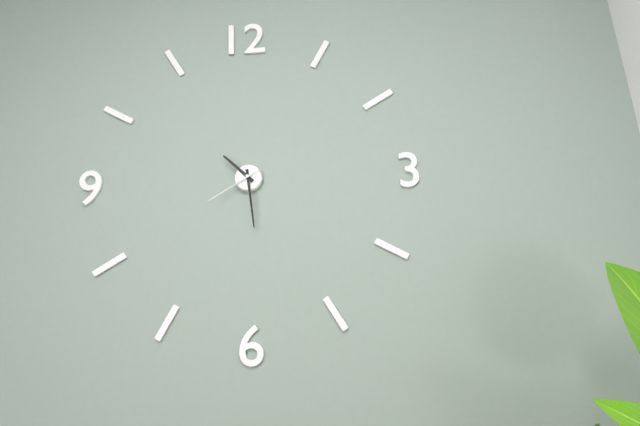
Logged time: 10:29:40
